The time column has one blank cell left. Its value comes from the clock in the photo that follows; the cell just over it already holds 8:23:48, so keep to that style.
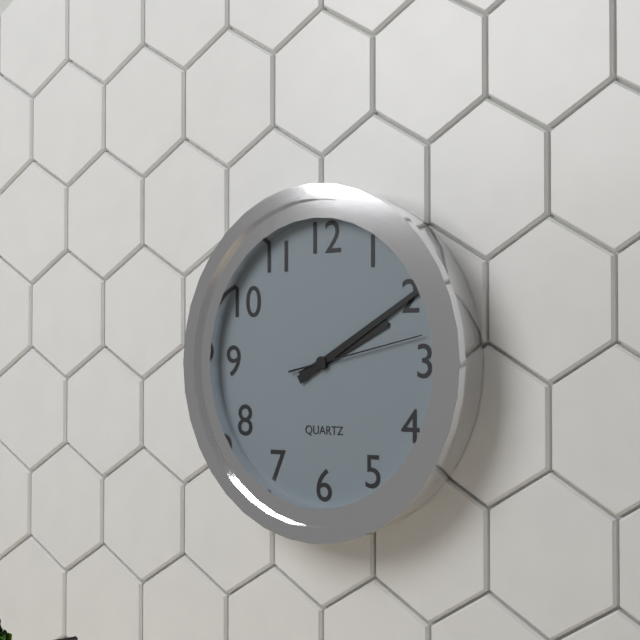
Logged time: 2:10:13
